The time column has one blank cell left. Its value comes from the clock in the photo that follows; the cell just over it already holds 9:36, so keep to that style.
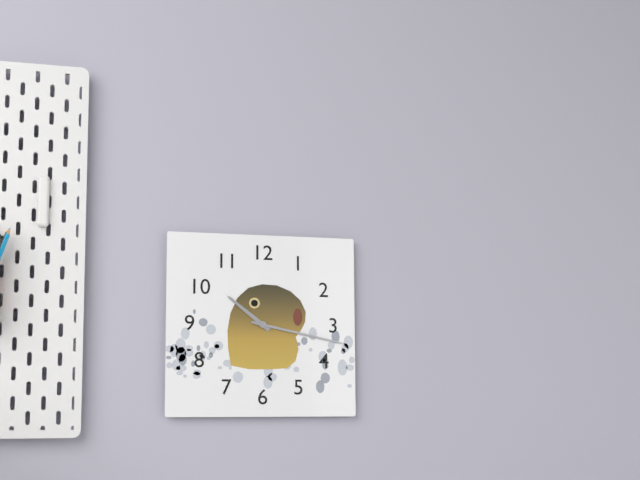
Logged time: 10:17
